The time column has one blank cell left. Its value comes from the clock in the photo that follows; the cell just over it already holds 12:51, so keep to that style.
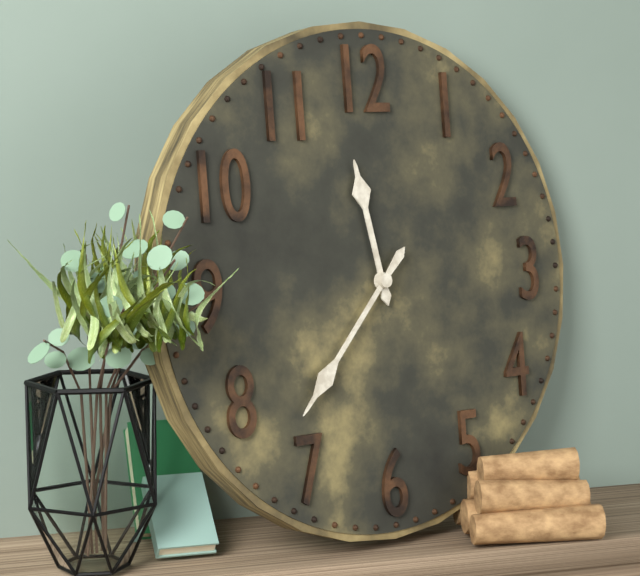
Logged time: 11:37
